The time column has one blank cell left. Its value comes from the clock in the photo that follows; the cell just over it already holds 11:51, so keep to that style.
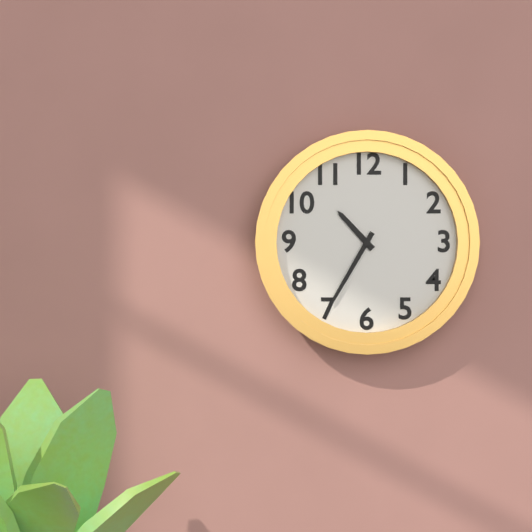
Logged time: 10:35
